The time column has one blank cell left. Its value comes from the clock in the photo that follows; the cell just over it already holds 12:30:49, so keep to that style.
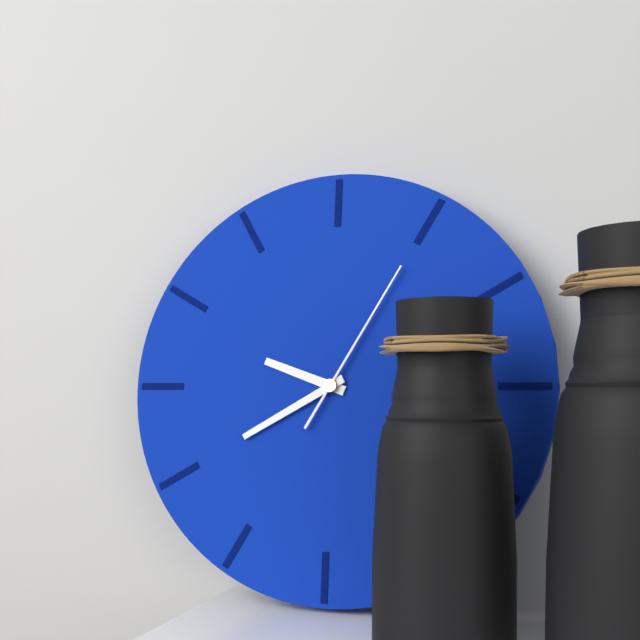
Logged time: 9:40:05
